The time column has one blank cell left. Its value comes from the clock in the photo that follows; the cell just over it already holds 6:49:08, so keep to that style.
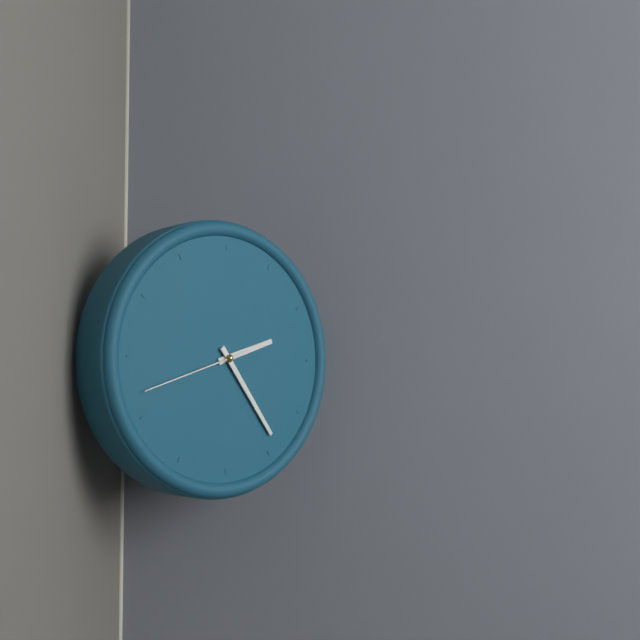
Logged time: 2:24:42
